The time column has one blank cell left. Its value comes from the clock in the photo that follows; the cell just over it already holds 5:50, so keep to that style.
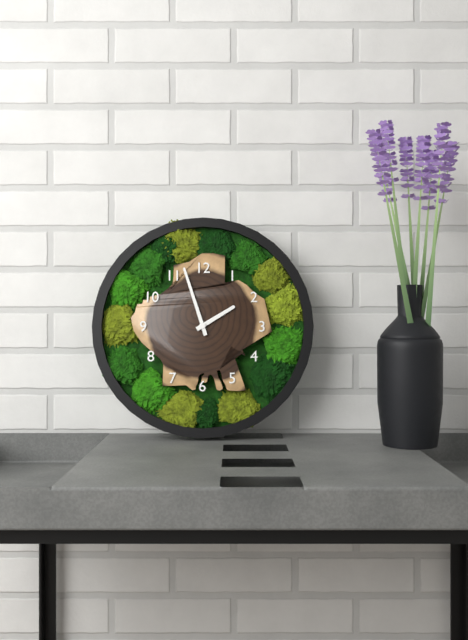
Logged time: 1:57
